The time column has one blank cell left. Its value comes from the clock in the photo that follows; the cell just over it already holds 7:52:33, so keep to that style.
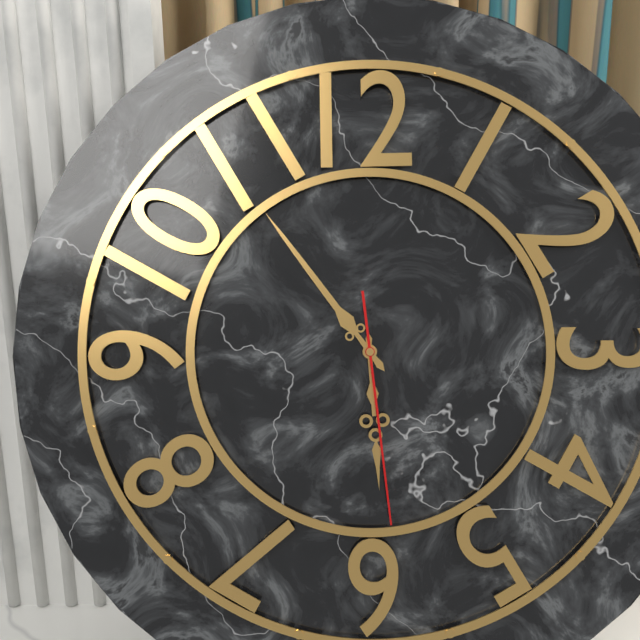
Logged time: 5:54:29
